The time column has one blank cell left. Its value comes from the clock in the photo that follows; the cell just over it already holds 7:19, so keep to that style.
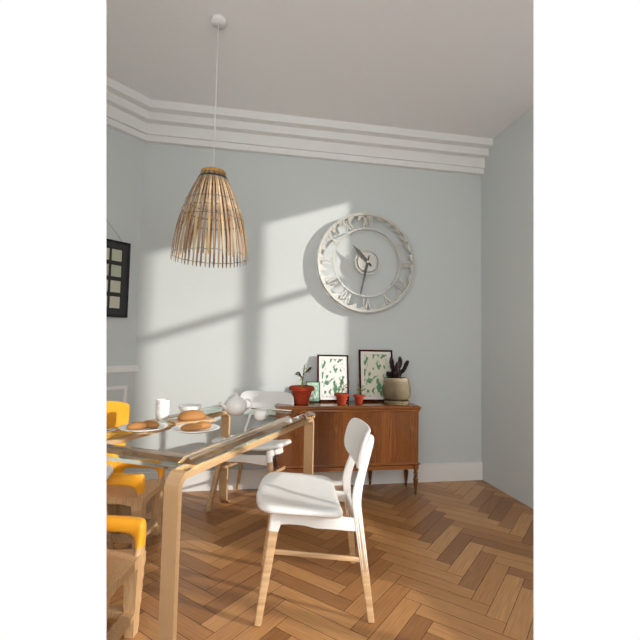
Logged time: 10:32
